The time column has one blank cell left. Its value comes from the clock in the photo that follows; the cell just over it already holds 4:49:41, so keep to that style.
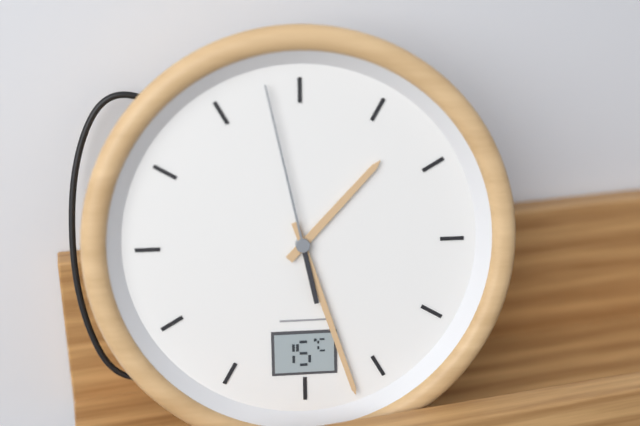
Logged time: 1:27:58
